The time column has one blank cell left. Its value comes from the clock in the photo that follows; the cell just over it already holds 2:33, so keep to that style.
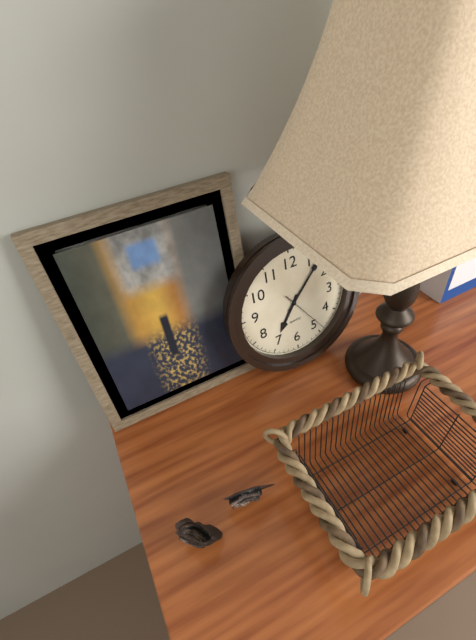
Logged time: 7:07
